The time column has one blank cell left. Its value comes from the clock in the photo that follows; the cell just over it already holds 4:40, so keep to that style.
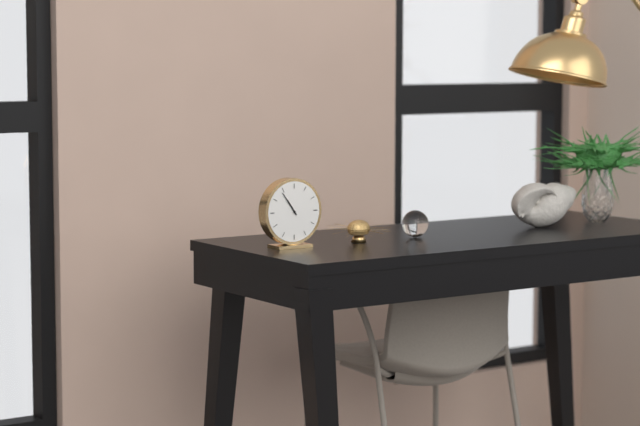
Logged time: 10:54
